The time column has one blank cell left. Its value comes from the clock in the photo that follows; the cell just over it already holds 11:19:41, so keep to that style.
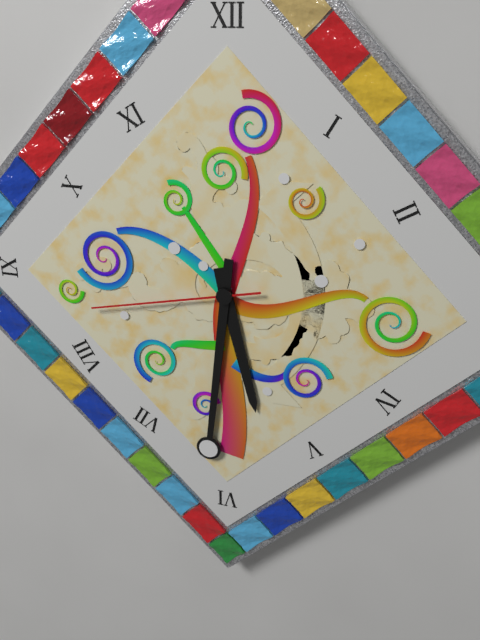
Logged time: 5:31:43
